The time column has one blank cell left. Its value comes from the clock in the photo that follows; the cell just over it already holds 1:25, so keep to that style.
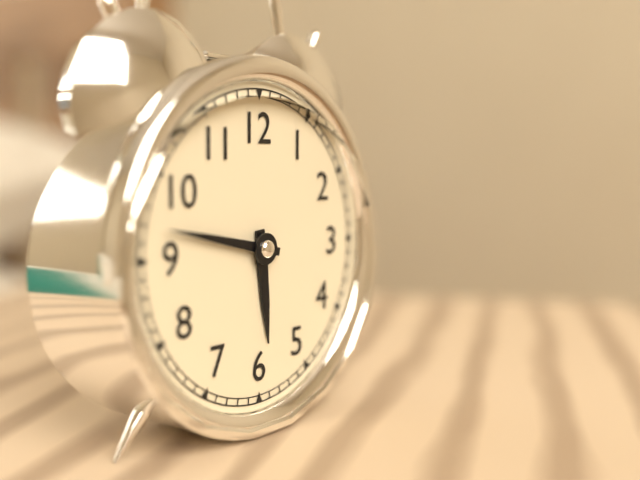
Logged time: 5:47
